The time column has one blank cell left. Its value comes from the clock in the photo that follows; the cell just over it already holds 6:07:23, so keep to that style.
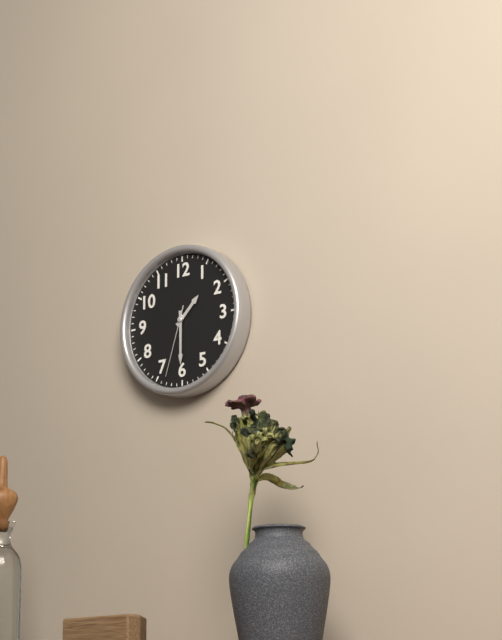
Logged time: 1:30:33
